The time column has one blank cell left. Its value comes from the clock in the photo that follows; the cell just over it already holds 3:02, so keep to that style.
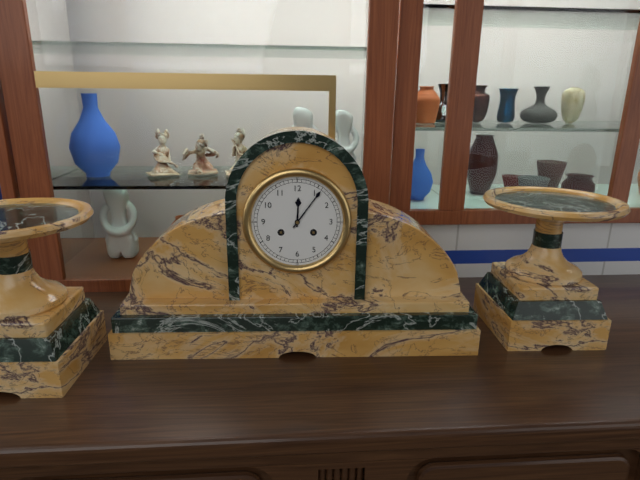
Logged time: 12:06
